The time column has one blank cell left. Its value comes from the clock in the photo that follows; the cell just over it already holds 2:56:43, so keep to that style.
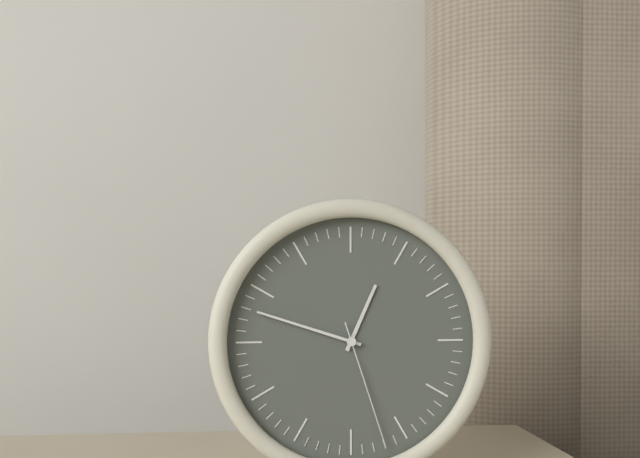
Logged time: 12:48:27
